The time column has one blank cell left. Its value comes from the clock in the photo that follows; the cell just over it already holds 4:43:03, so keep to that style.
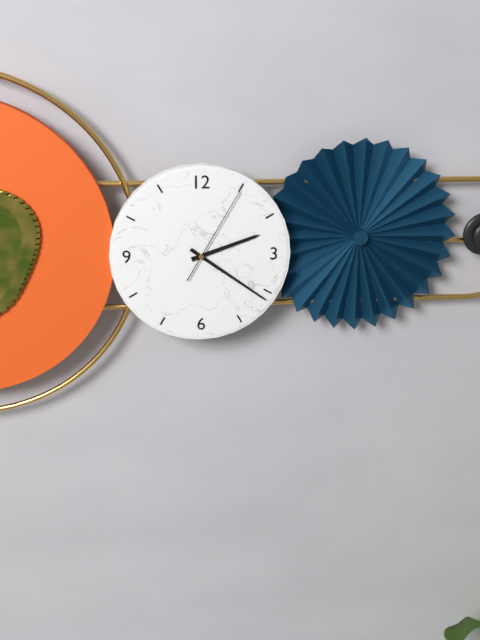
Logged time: 2:21:05
